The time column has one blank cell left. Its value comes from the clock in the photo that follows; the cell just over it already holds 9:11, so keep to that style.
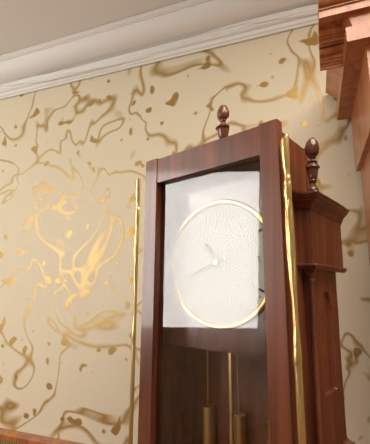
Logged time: 10:42
